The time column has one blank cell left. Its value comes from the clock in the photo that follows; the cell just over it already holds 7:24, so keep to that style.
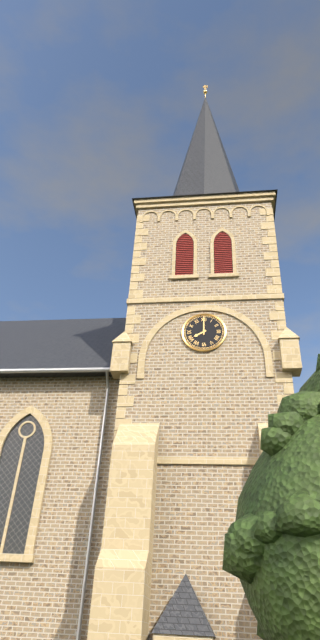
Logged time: 8:00
